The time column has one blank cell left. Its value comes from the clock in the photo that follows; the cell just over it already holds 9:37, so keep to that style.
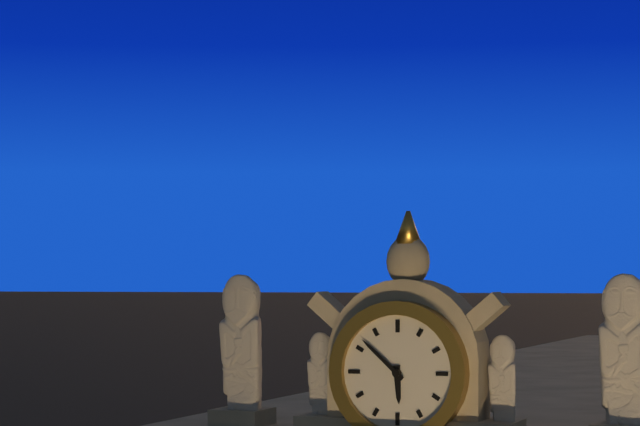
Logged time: 5:52
